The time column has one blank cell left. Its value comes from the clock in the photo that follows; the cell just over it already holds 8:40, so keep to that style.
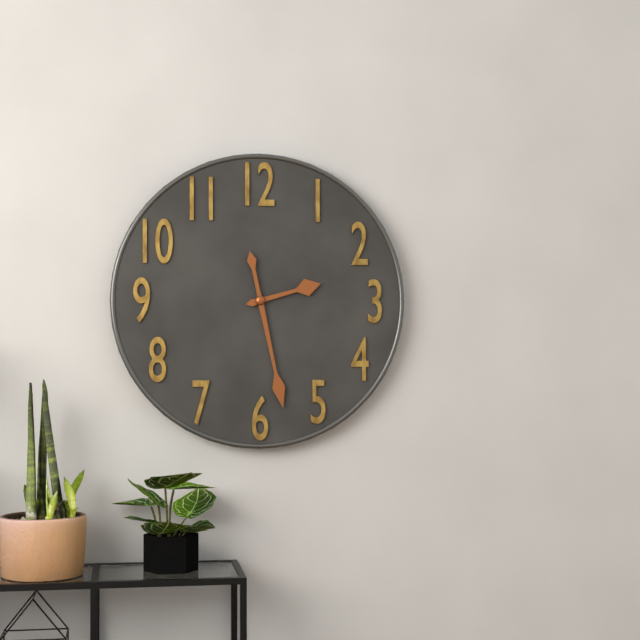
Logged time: 2:28
